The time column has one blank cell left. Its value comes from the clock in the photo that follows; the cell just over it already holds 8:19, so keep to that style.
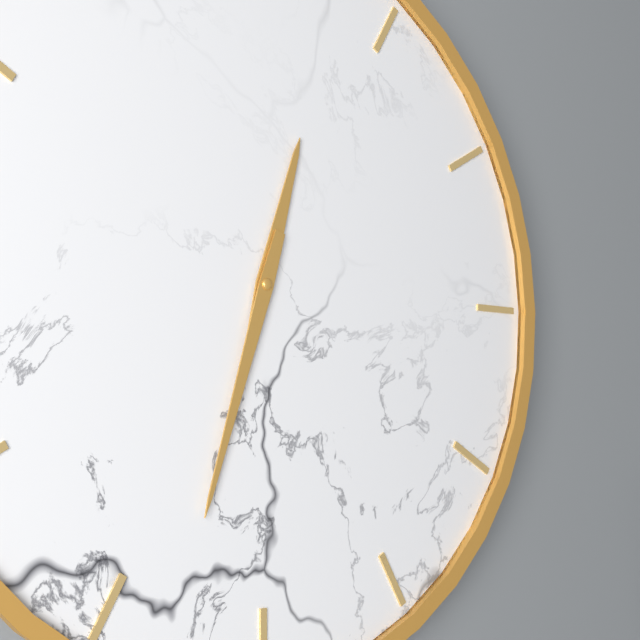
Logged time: 12:33
